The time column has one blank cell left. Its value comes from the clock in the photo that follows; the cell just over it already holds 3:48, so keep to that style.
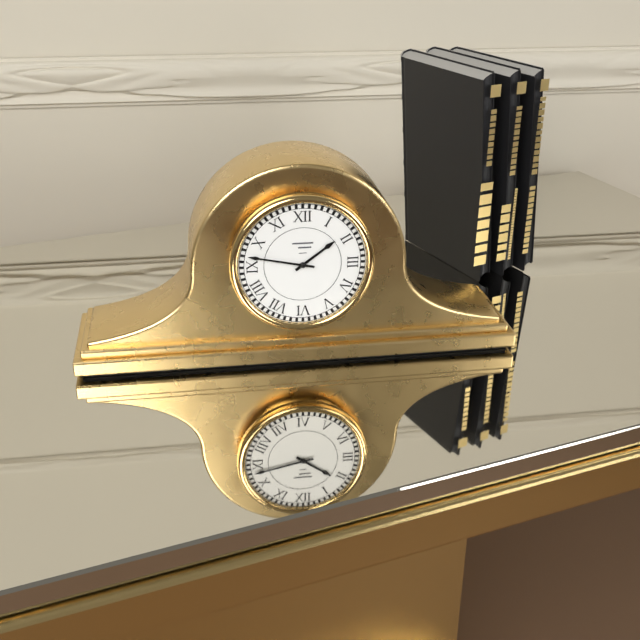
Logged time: 1:47
